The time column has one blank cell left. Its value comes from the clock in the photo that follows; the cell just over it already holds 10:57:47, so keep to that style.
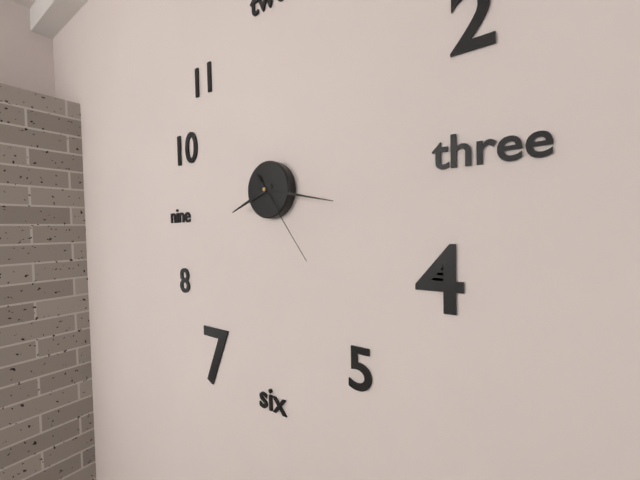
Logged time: 8:17:24
